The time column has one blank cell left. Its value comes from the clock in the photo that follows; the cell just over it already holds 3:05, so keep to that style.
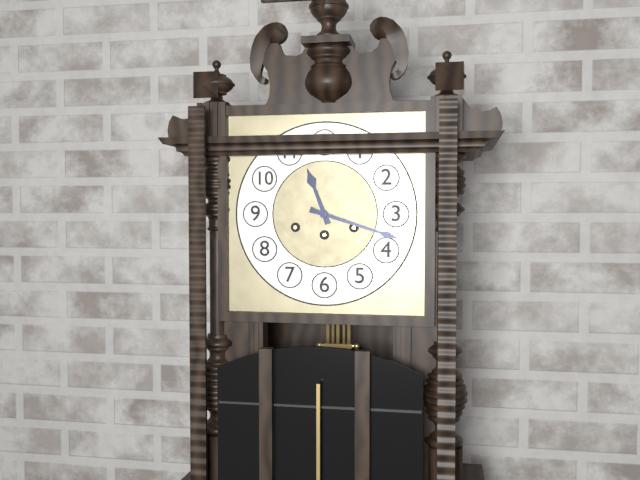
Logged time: 11:18
